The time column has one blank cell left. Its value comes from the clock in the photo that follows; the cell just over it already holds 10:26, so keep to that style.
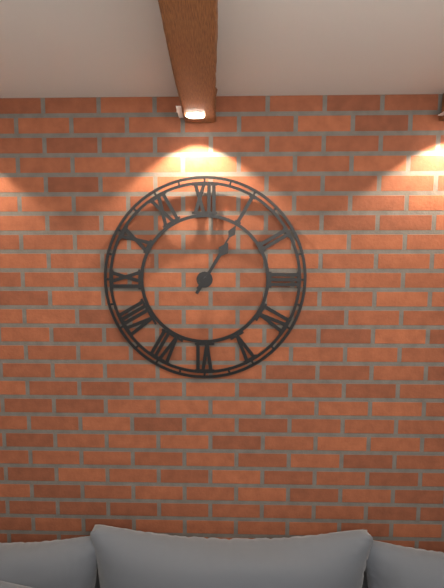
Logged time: 1:05
